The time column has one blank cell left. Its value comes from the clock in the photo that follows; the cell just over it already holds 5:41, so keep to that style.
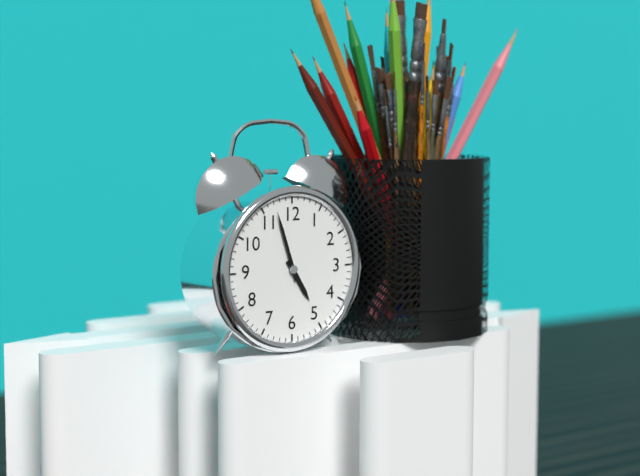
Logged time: 4:57
